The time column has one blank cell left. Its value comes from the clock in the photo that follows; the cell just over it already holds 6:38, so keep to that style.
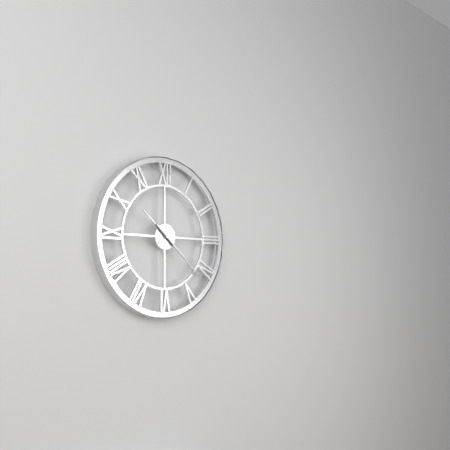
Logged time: 10:22
